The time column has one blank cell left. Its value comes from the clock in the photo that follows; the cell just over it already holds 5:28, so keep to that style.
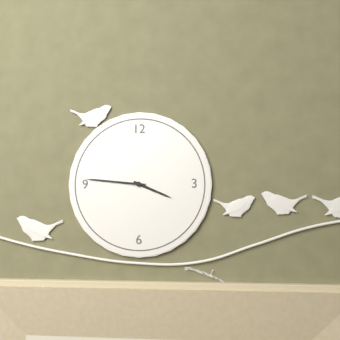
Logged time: 3:46
